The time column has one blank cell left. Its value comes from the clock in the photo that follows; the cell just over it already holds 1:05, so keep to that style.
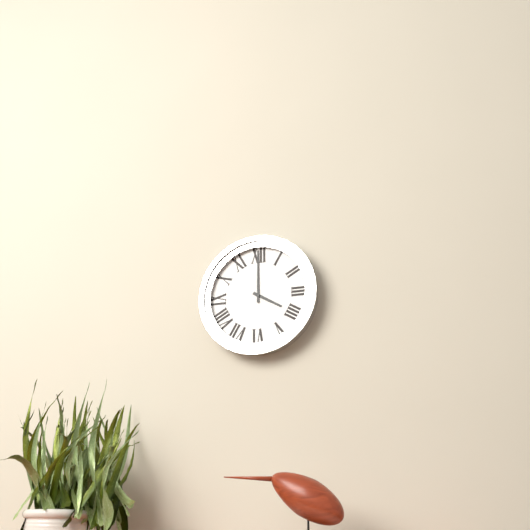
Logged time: 4:00
